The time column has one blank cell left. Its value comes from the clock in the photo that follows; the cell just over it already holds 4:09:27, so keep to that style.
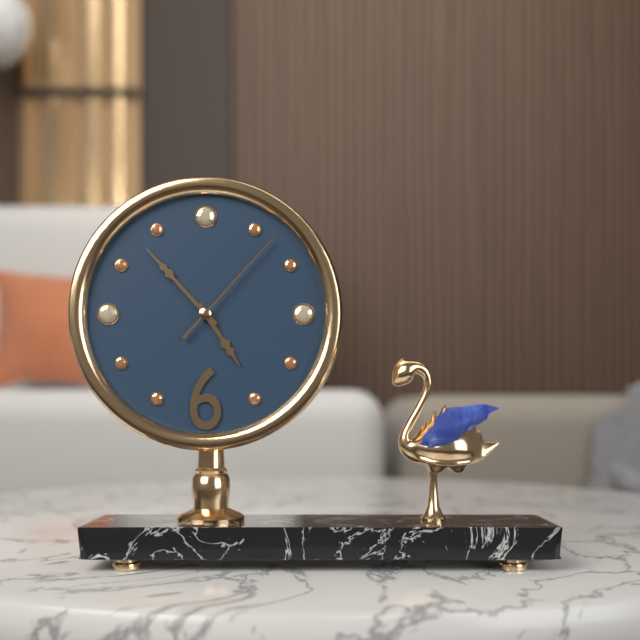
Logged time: 4:53:07
